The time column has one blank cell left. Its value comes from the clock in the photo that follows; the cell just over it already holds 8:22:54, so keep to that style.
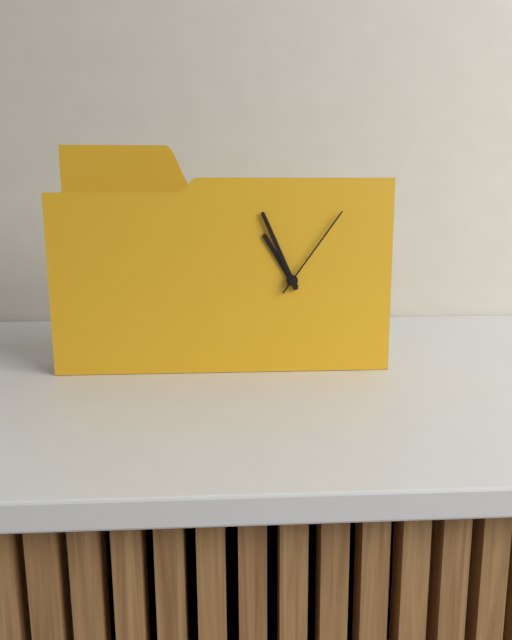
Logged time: 10:56:06
